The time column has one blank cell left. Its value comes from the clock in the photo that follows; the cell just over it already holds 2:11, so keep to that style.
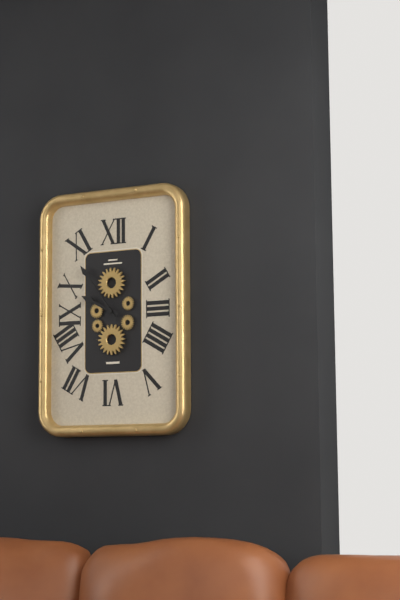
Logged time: 9:54
